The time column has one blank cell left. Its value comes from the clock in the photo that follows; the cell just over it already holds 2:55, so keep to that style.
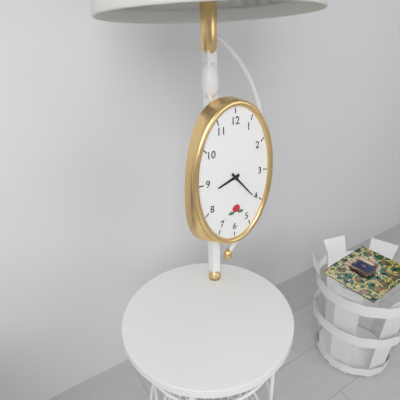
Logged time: 8:23
